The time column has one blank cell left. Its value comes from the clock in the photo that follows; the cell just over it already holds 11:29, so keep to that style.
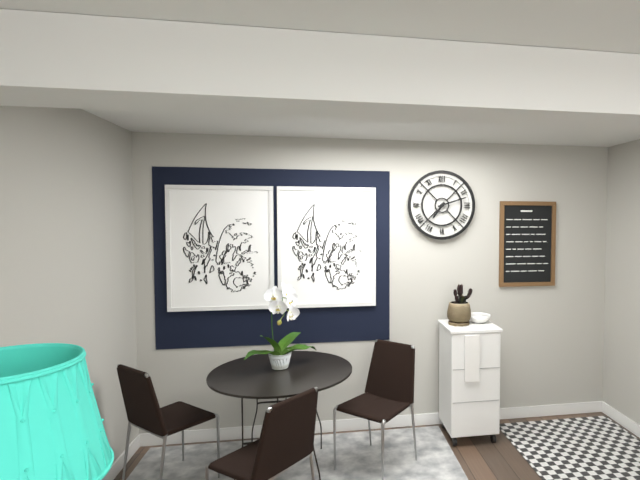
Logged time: 7:12
